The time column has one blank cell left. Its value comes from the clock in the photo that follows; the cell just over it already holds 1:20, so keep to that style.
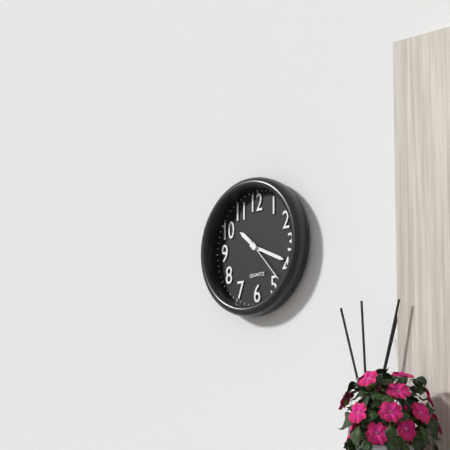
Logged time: 10:19
